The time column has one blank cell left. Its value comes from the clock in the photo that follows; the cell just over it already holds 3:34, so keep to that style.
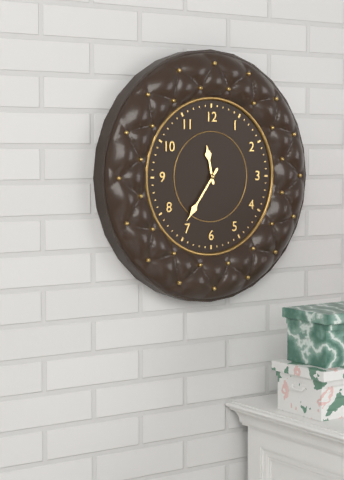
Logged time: 11:36
